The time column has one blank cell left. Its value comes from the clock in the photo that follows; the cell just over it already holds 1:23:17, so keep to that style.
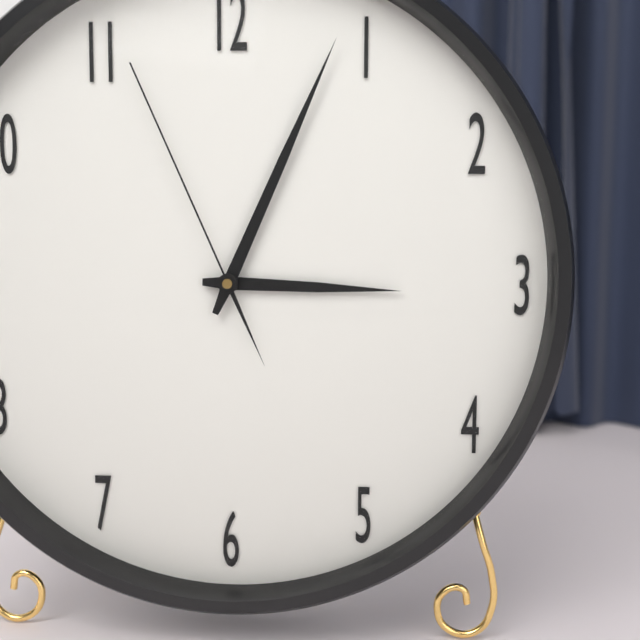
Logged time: 3:04:56
